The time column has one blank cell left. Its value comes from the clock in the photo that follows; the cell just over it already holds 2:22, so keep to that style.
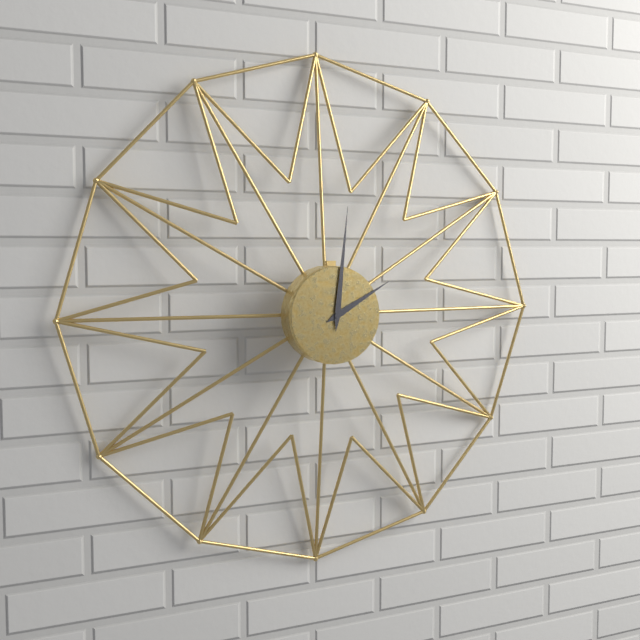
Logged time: 2:01
